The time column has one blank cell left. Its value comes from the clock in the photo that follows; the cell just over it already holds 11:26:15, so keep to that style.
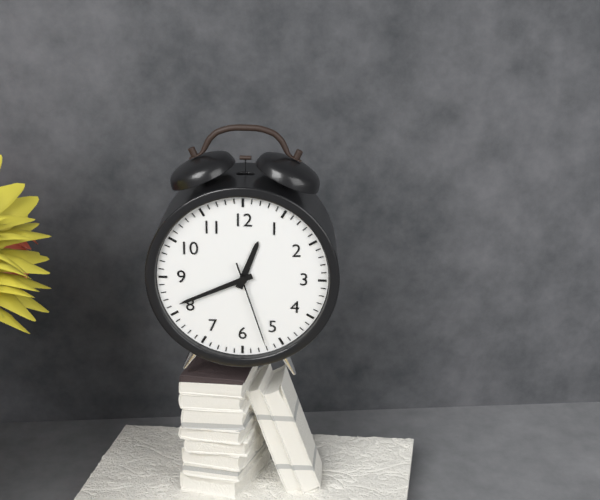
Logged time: 12:41:27
